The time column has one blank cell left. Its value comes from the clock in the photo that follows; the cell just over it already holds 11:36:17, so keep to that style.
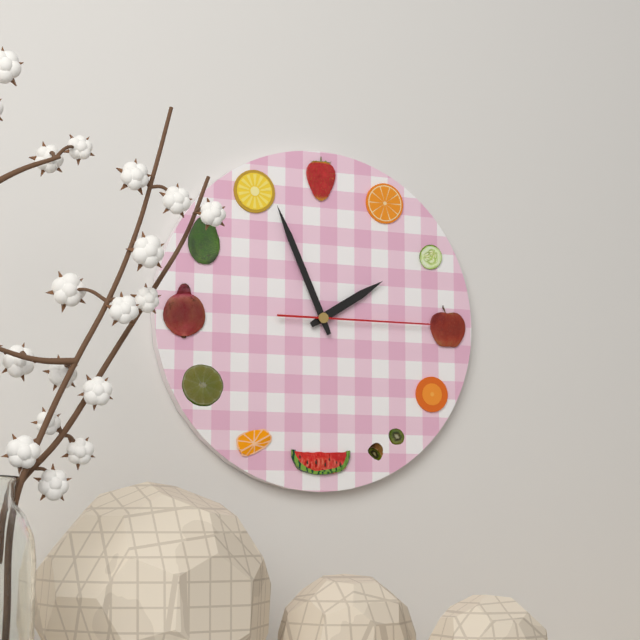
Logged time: 1:56:15
